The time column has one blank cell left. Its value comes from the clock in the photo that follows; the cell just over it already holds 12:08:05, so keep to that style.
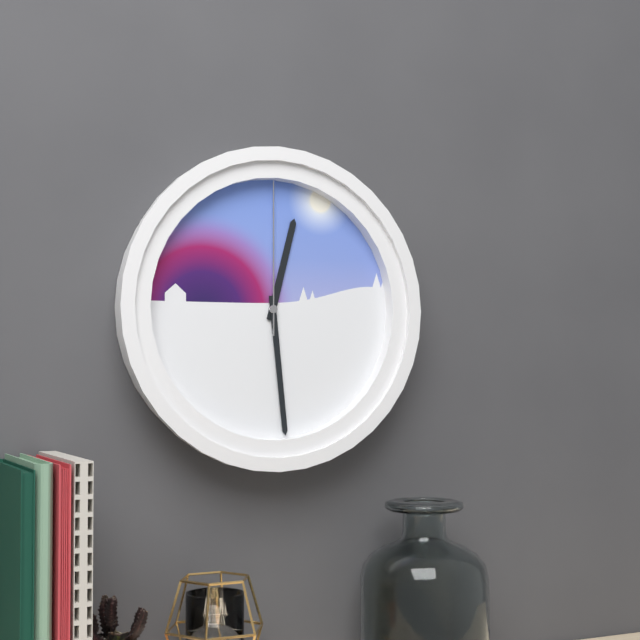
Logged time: 12:29:00
